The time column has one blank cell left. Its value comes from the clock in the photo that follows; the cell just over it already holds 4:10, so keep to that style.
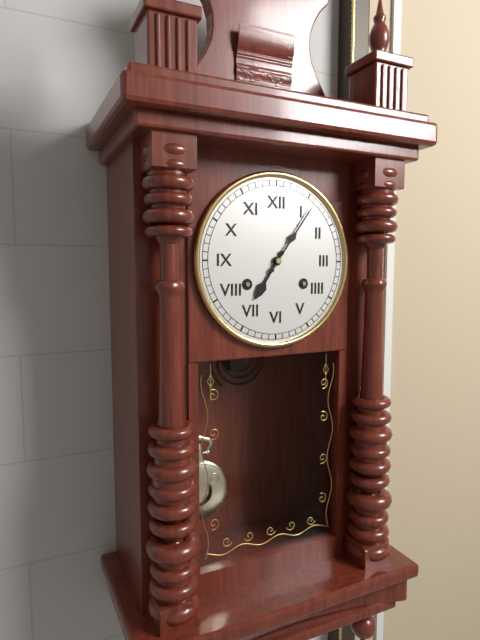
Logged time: 7:06
